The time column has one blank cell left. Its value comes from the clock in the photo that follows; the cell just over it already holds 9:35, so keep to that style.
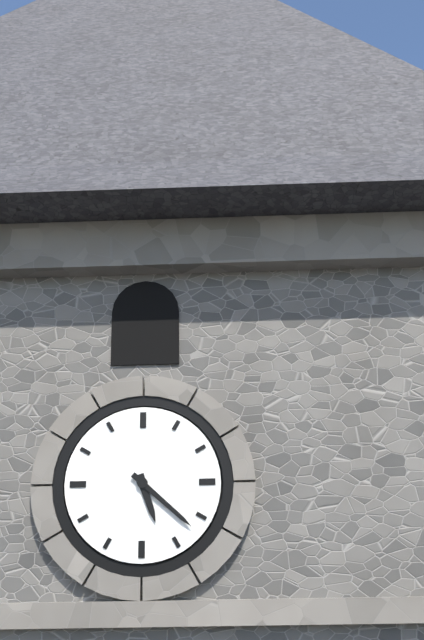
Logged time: 5:22
